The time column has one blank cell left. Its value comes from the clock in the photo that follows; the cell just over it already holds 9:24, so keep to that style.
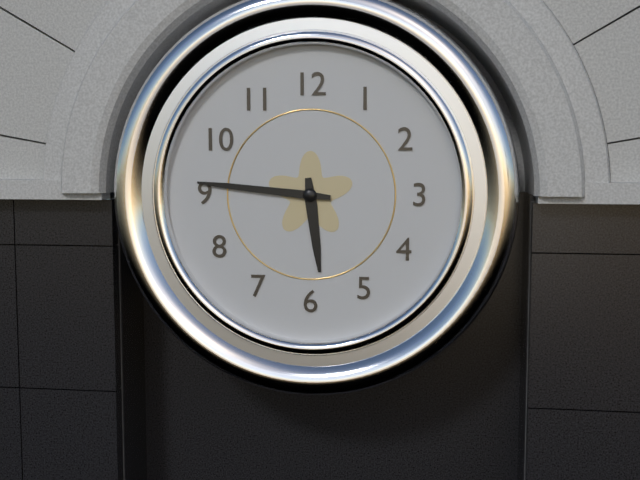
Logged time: 5:46
